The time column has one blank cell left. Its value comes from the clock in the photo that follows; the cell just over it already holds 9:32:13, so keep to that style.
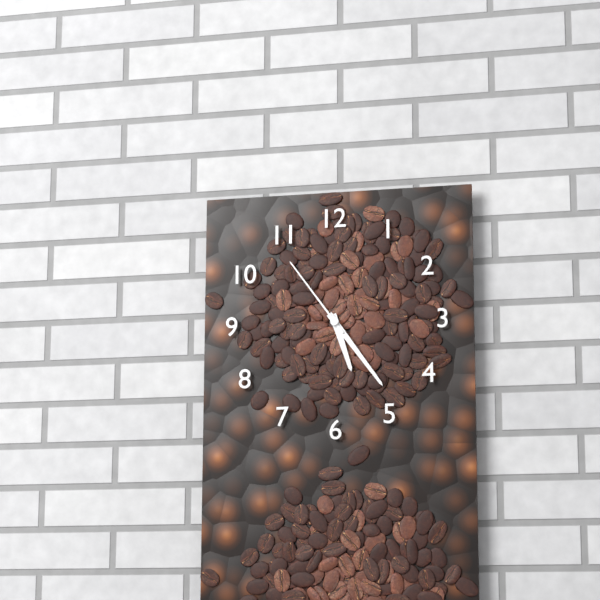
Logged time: 5:24:54
